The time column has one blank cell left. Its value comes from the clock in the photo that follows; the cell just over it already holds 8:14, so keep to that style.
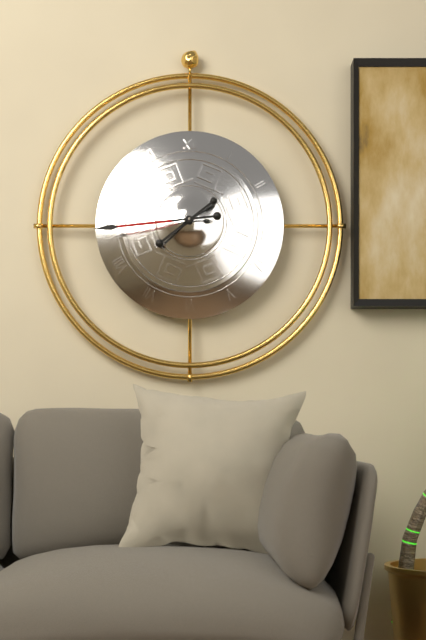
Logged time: 7:44
